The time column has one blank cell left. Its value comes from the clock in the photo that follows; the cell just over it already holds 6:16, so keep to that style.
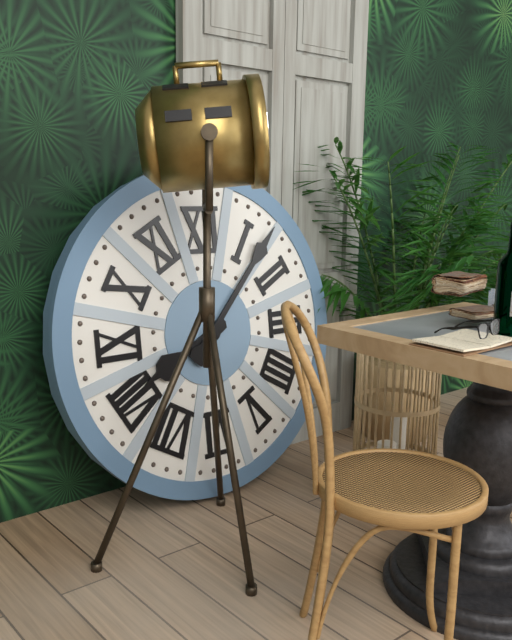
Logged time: 8:07
